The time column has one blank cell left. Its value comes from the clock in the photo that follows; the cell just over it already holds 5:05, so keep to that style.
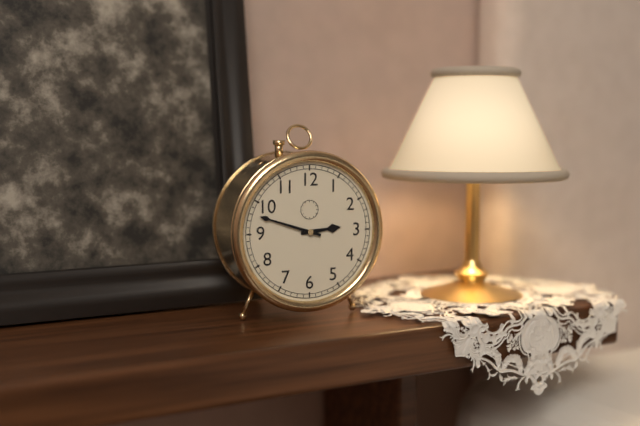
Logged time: 2:48
